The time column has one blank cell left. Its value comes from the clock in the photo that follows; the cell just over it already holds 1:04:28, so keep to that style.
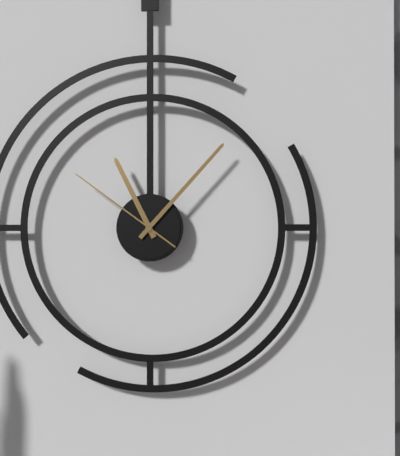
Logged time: 11:07:51
